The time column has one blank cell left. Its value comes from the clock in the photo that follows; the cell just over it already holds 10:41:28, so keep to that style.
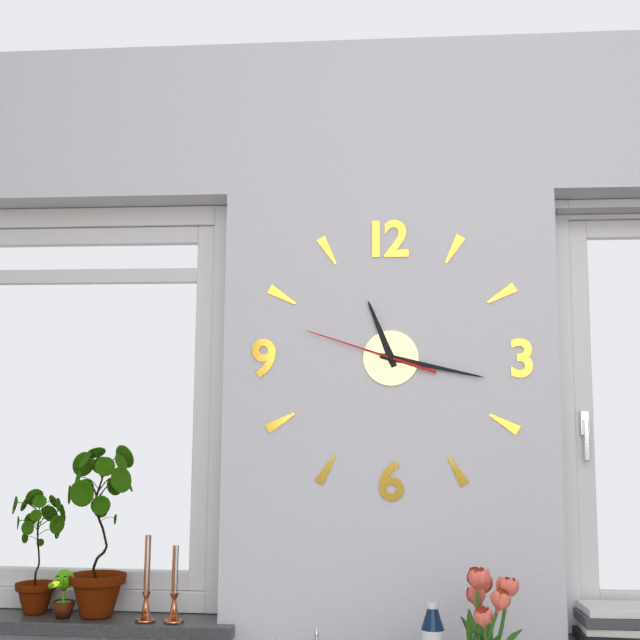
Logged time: 11:17:48
